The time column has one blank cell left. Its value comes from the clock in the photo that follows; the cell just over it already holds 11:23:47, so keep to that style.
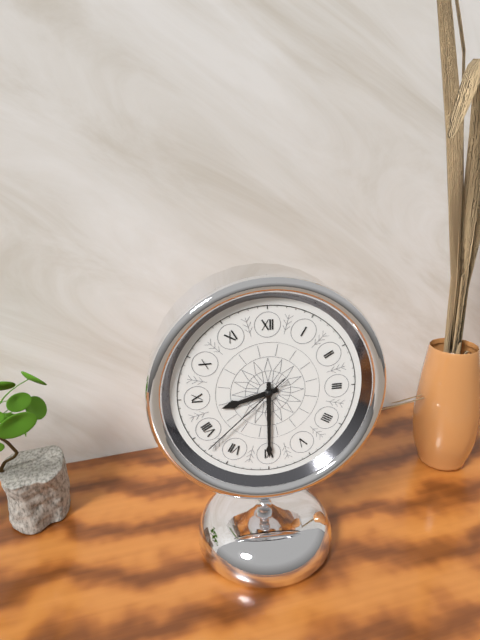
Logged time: 8:30:38
